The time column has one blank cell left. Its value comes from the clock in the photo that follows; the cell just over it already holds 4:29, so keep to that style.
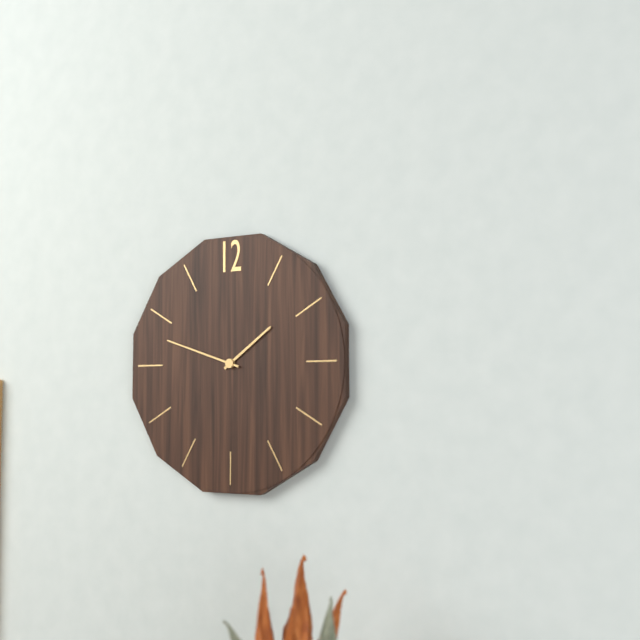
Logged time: 1:48
